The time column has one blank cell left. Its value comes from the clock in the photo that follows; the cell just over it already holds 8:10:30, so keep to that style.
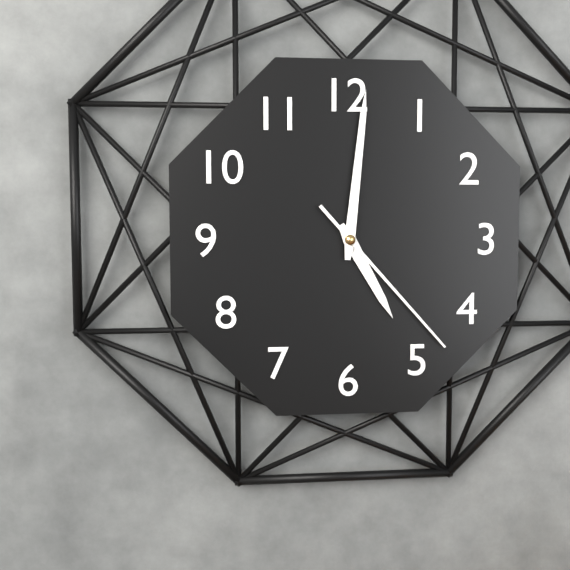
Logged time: 5:01:23
